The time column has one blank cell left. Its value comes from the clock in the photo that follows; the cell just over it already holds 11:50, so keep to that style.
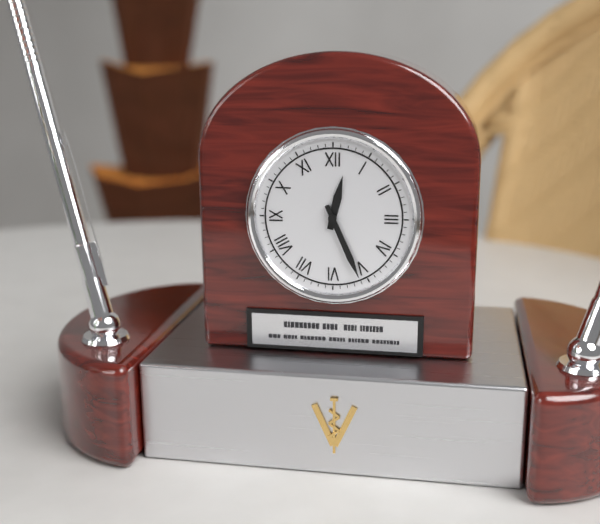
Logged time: 12:26
